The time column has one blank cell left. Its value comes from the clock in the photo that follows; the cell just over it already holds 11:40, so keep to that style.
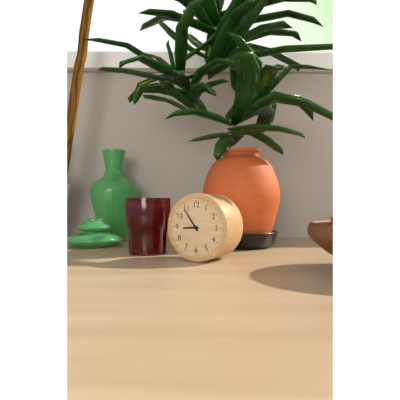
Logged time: 8:54
